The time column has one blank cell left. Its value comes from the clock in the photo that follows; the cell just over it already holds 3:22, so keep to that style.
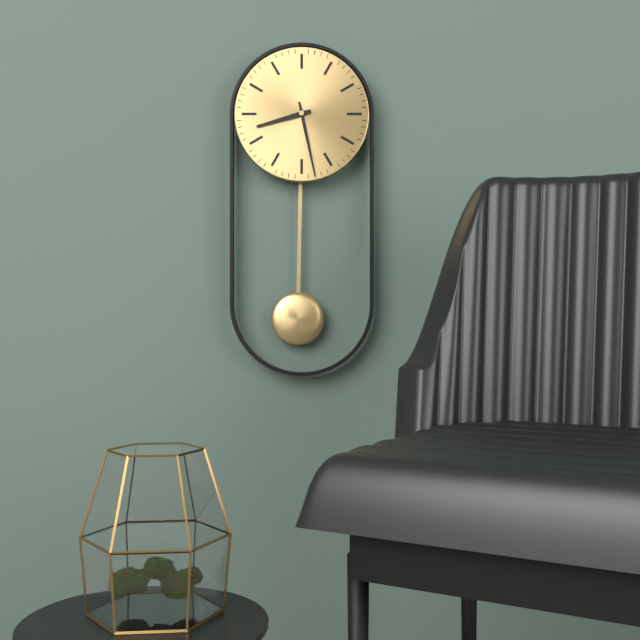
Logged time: 8:28
